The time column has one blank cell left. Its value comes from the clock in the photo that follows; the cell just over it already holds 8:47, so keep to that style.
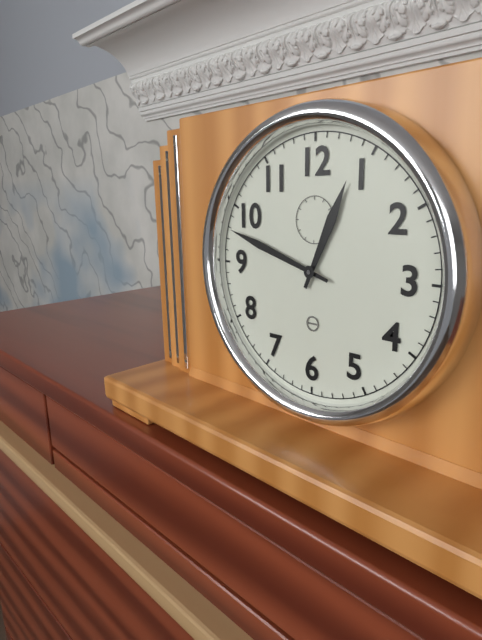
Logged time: 12:48
